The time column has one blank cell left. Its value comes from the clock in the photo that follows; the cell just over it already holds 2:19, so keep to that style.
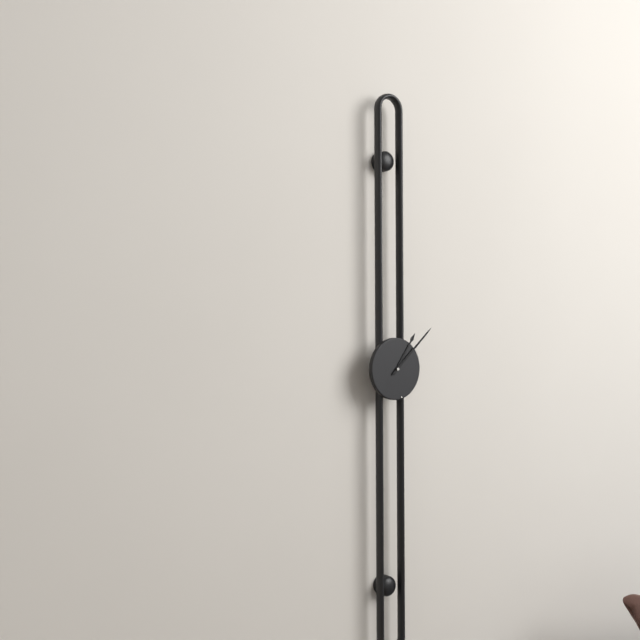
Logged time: 1:08
